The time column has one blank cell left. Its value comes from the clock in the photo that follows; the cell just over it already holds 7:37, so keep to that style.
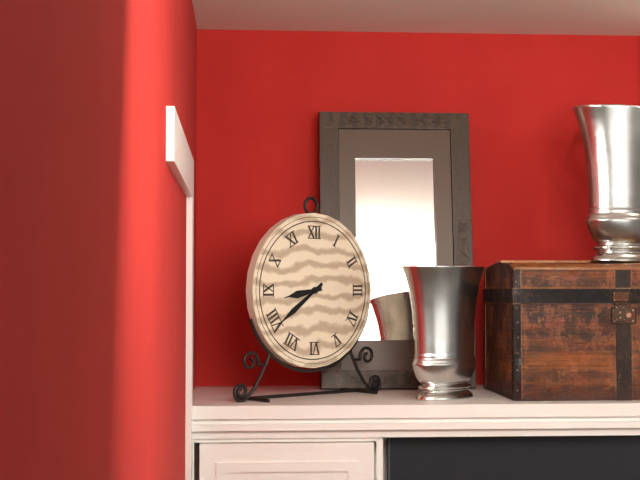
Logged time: 8:39
